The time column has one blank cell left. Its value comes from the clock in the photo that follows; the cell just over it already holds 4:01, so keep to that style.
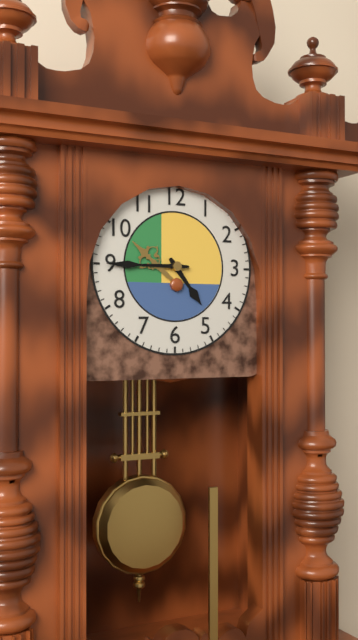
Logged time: 4:45
